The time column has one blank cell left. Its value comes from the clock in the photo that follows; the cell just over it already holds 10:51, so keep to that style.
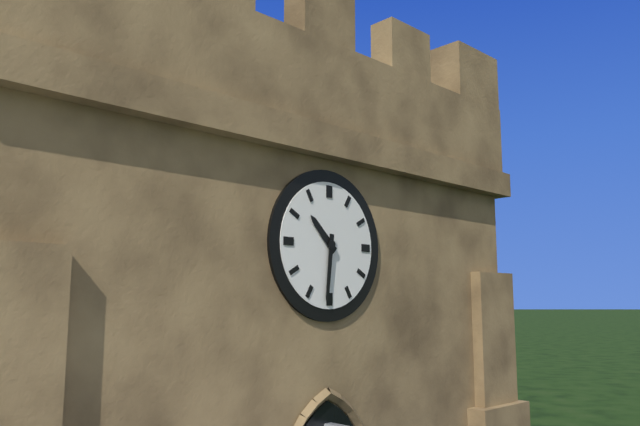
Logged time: 10:31
